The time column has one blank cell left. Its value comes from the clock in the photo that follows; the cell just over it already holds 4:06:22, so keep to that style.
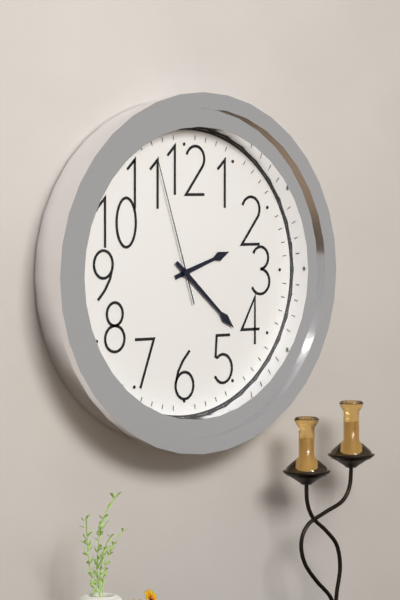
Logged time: 2:22:57
